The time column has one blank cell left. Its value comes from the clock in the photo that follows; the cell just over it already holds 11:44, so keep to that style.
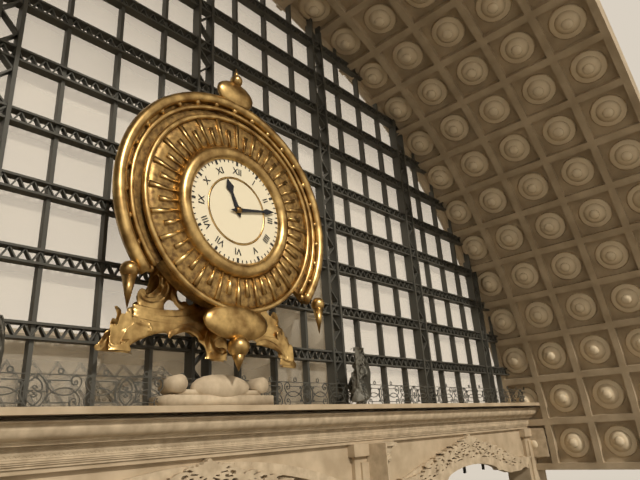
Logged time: 11:13
